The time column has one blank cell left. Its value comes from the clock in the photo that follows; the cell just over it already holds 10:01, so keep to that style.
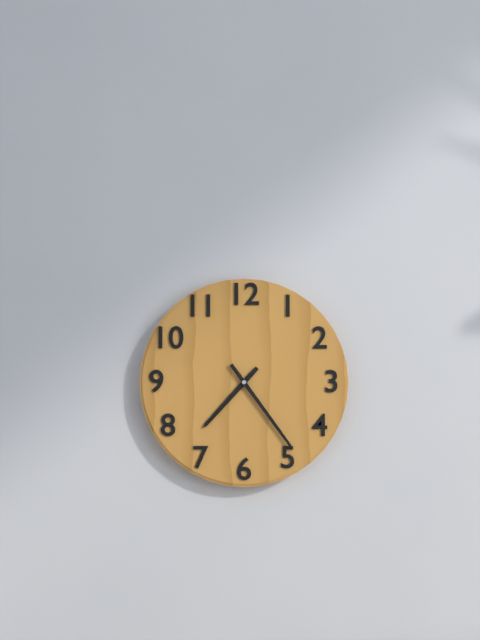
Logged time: 7:24
